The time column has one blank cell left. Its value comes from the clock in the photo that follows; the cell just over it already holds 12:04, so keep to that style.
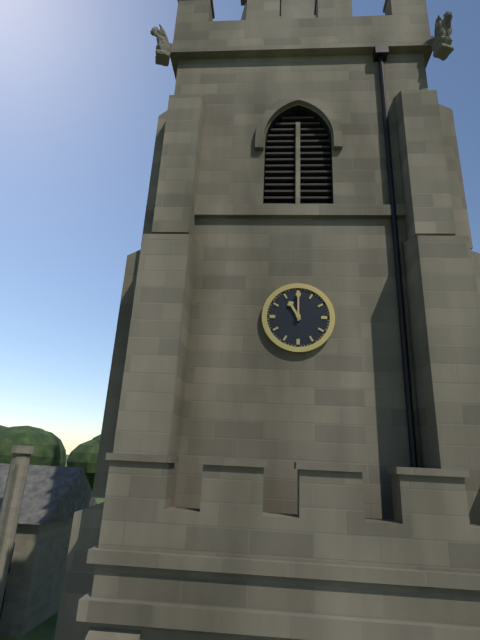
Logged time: 11:00
